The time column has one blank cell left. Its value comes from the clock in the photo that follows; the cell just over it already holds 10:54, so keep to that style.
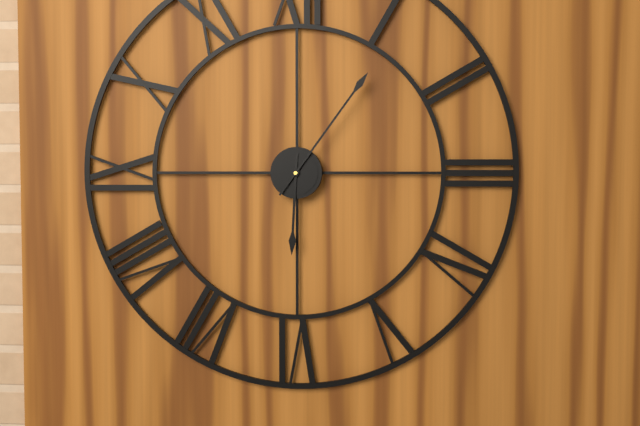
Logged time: 6:06
